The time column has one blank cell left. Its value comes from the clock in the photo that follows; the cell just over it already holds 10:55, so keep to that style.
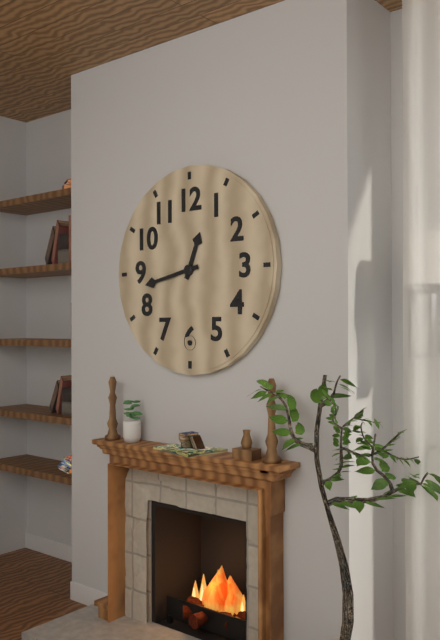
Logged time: 12:43
